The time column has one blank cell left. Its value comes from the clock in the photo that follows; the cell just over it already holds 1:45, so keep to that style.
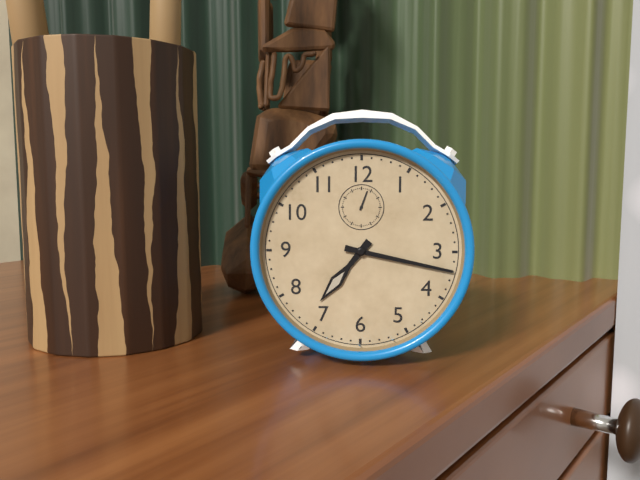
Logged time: 7:17
